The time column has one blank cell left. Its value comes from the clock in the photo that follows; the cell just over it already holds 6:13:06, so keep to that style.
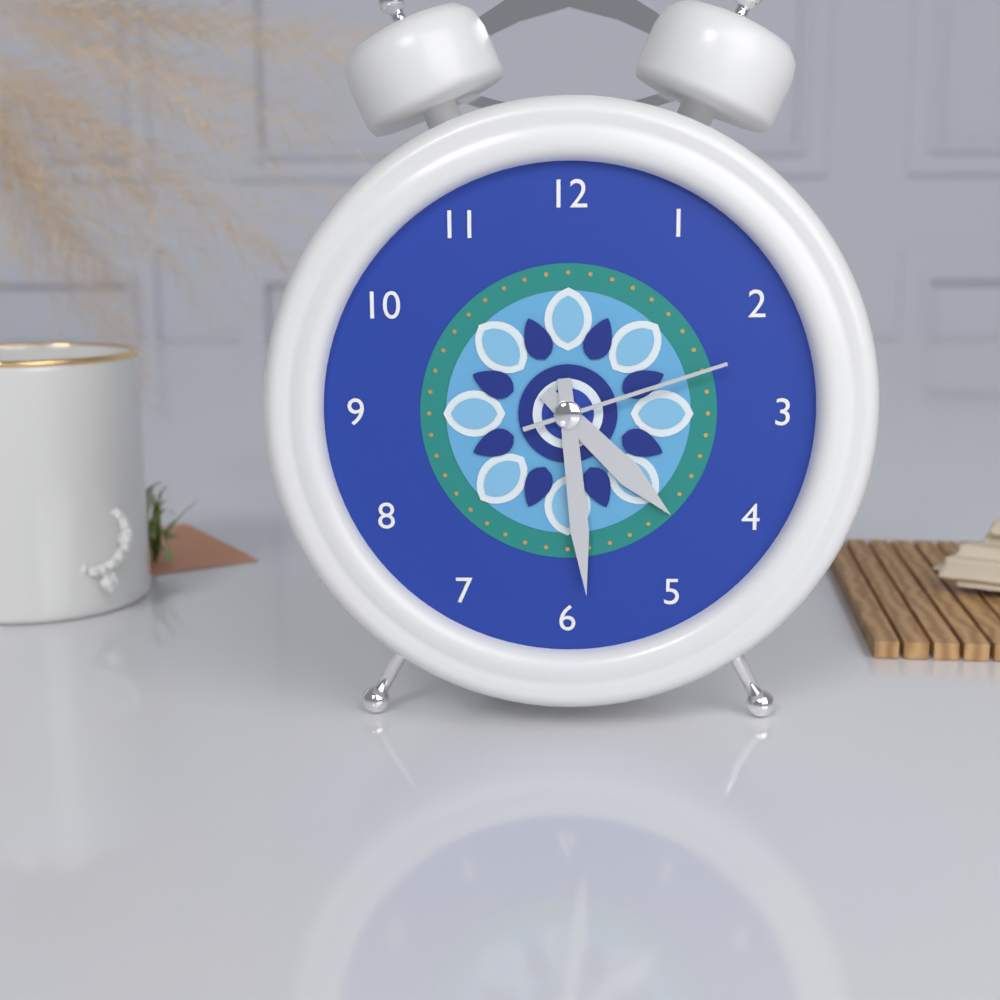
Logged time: 4:29:12
